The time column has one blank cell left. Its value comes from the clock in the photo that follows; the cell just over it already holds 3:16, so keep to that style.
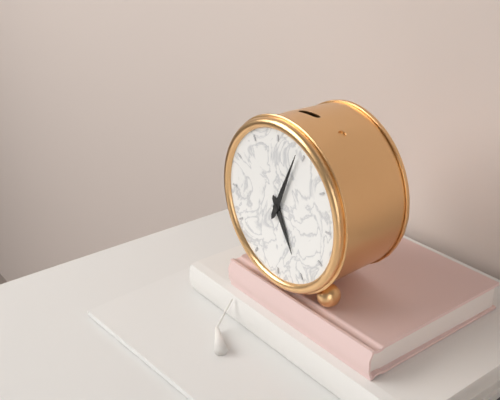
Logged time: 5:04
